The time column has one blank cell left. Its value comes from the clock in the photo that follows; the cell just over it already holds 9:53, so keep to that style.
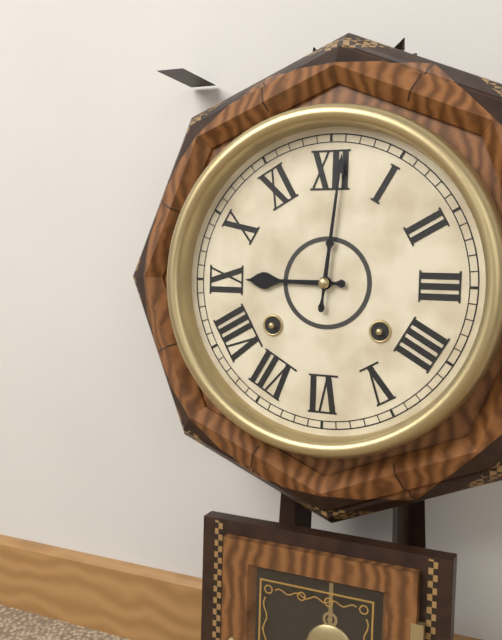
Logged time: 9:01
